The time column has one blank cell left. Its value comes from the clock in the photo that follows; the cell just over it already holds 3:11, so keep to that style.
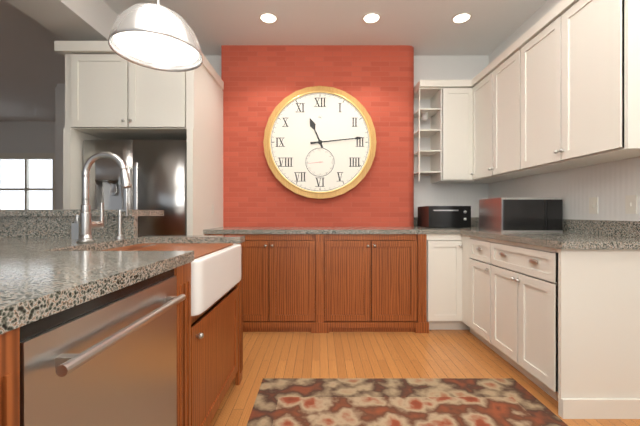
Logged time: 11:14
